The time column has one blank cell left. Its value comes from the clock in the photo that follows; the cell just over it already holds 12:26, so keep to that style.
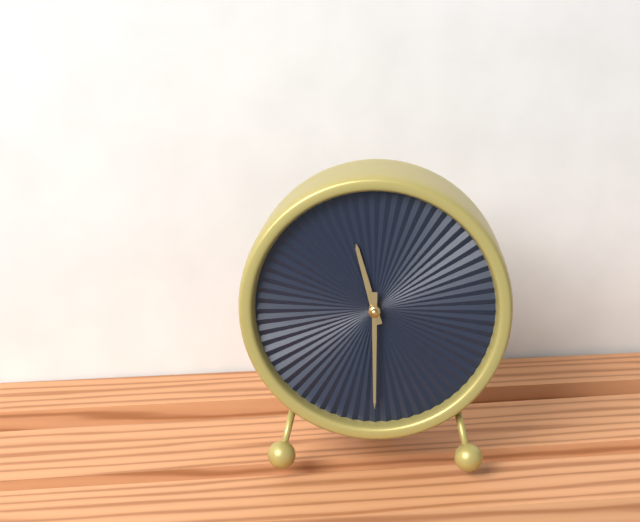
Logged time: 11:30
